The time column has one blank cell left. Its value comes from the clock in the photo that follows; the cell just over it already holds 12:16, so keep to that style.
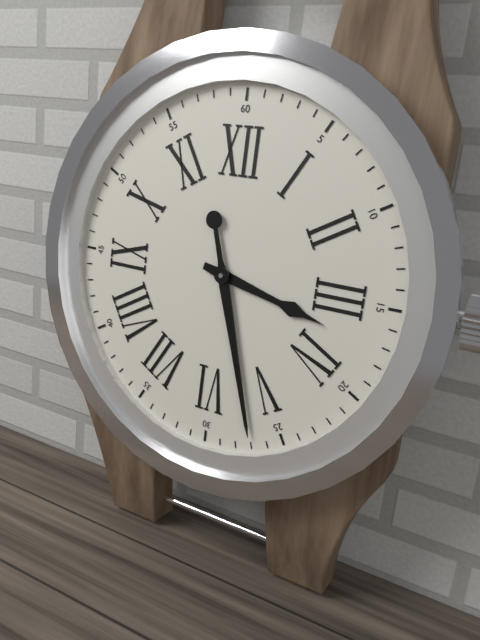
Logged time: 3:27
